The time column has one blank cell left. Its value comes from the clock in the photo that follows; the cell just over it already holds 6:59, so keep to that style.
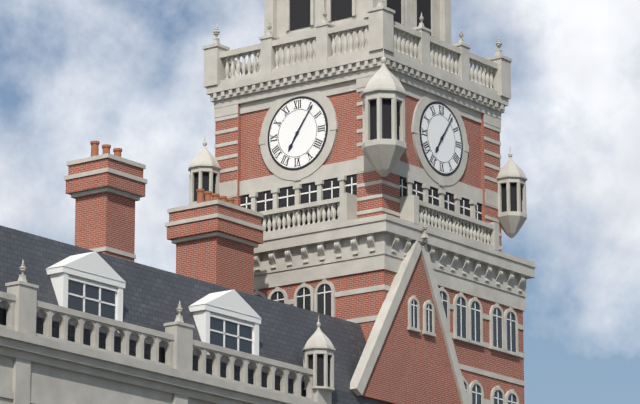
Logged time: 7:06
